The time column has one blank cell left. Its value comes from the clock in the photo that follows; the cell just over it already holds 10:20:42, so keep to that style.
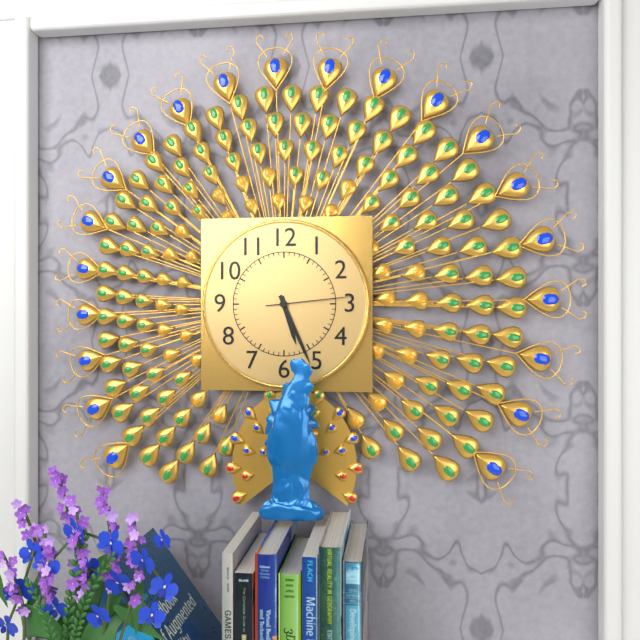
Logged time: 5:26:14
